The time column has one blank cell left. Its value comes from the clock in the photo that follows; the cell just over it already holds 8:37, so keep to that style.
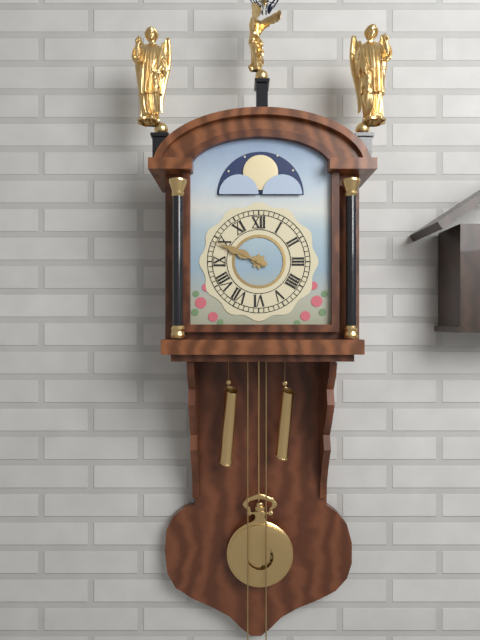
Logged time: 9:49
